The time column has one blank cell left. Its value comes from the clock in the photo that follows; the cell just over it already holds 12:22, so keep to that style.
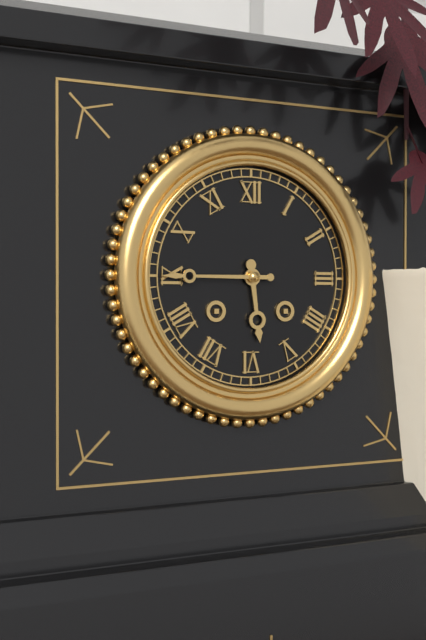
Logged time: 5:45
